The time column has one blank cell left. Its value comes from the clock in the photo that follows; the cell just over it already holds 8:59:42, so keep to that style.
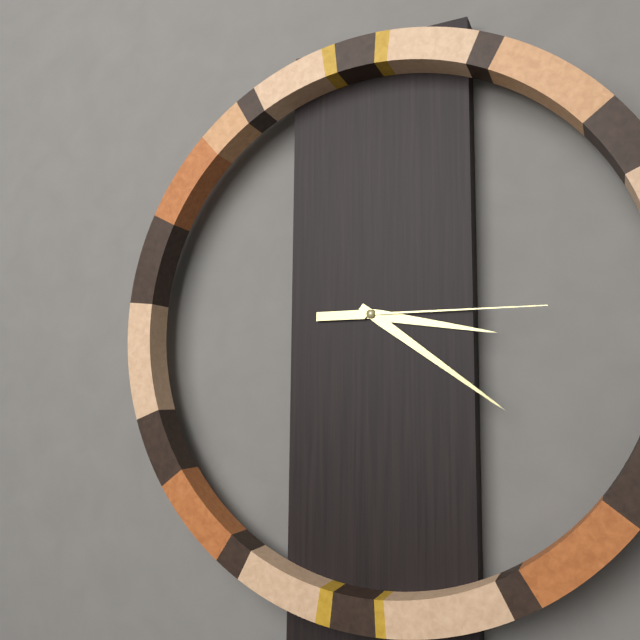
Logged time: 3:21:15
